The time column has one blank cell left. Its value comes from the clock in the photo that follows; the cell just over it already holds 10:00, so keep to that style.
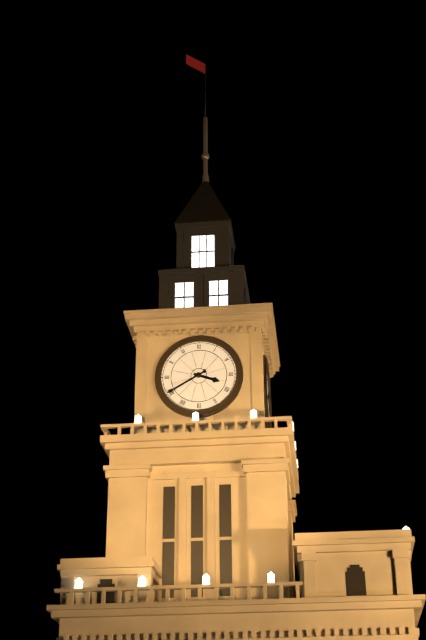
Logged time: 3:40
